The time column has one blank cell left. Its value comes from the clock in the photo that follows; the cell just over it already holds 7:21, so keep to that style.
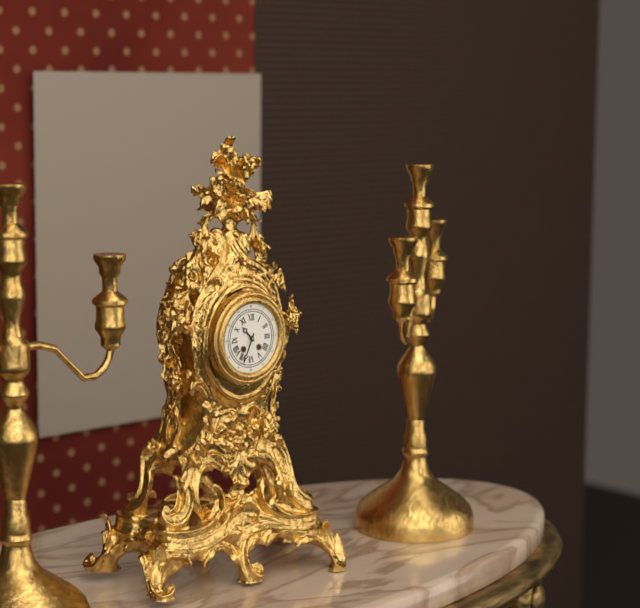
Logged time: 10:34
